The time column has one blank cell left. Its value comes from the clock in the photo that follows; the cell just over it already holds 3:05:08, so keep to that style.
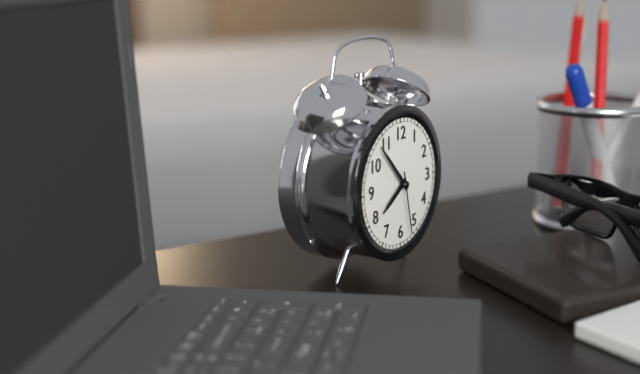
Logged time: 7:53:28
